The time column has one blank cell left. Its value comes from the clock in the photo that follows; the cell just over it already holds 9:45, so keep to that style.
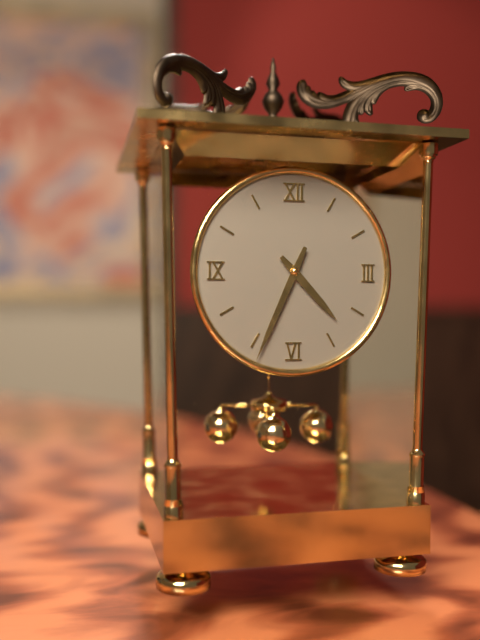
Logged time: 4:34
